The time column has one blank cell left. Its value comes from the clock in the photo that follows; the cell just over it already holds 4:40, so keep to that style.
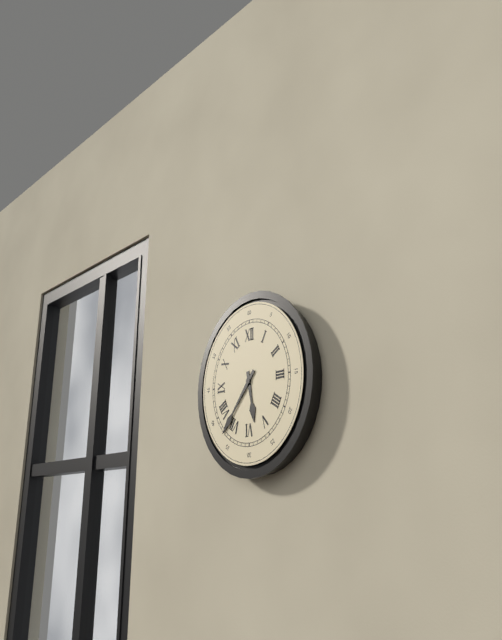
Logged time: 5:37
